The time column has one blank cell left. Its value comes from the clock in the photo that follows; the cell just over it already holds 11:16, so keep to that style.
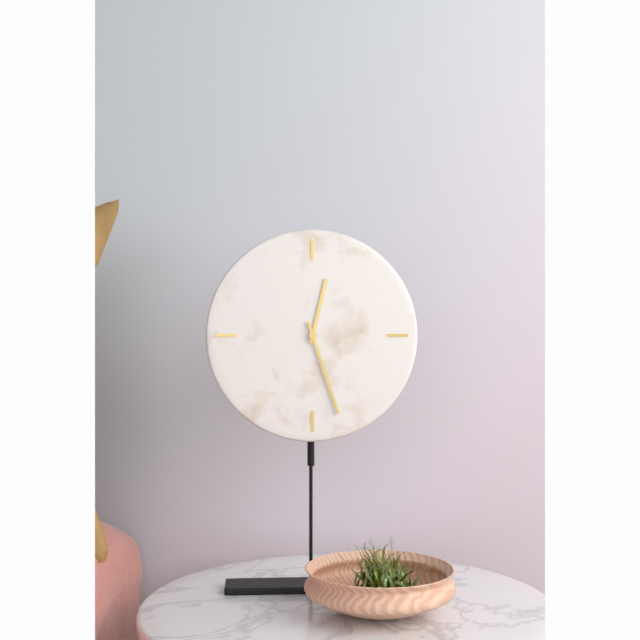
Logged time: 12:27
